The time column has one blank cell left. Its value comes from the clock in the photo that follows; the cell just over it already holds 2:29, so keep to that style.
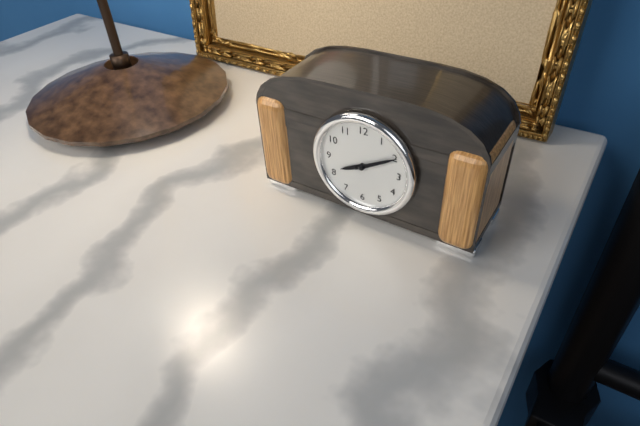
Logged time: 8:10
